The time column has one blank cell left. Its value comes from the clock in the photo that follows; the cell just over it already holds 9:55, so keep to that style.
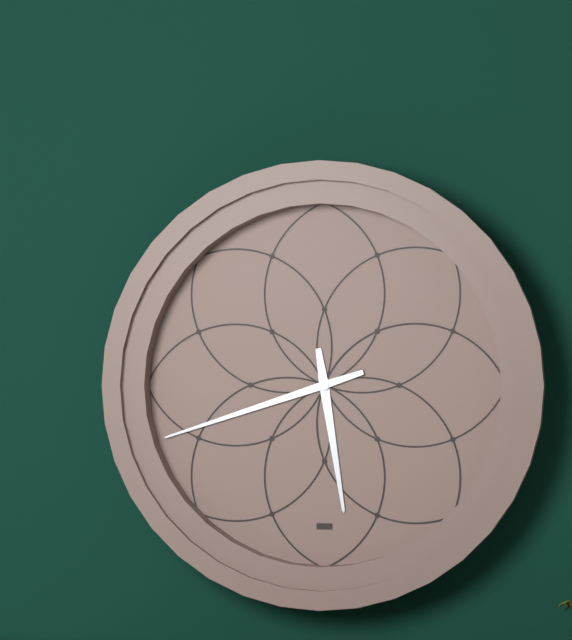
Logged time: 5:42
